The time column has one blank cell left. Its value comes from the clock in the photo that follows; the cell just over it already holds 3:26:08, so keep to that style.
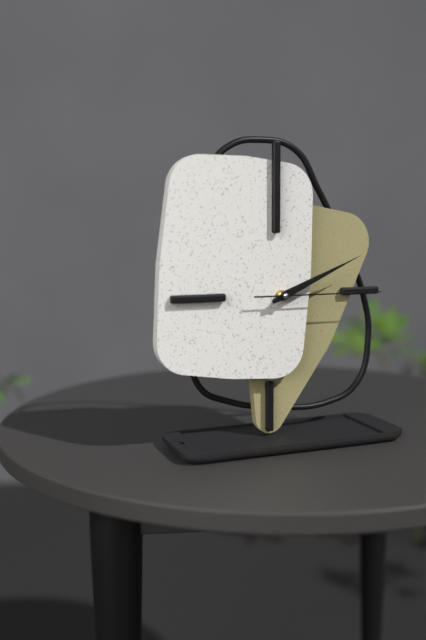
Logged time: 2:11:15
